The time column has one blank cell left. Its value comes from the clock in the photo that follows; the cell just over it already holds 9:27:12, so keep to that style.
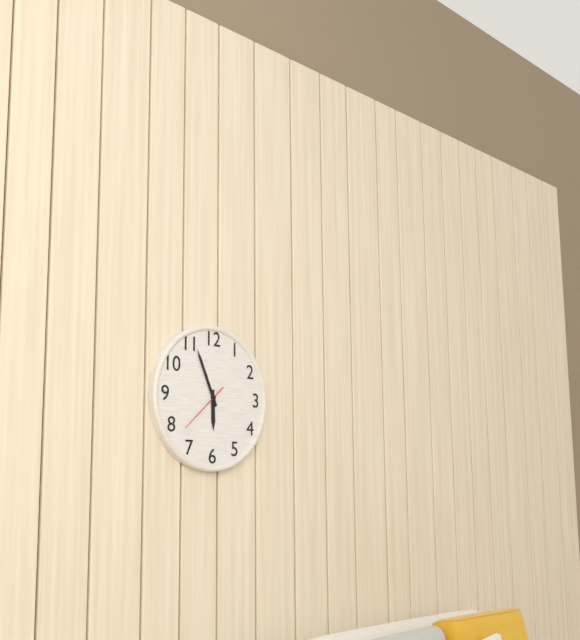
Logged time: 5:56:38
